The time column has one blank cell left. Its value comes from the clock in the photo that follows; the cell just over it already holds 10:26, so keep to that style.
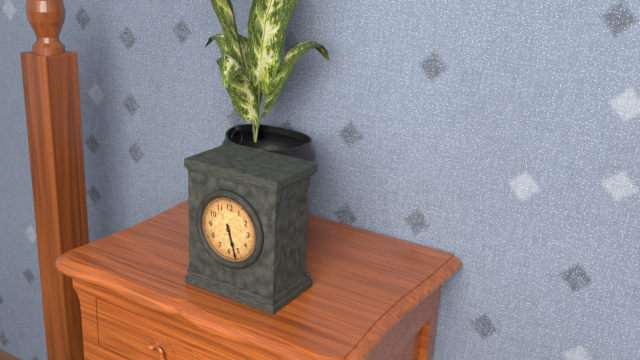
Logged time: 5:27
